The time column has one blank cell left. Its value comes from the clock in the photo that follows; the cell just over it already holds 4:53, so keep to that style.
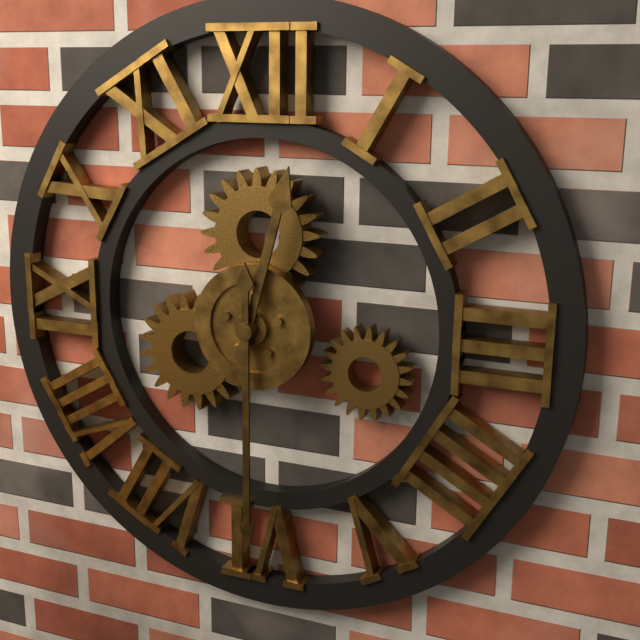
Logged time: 12:30
